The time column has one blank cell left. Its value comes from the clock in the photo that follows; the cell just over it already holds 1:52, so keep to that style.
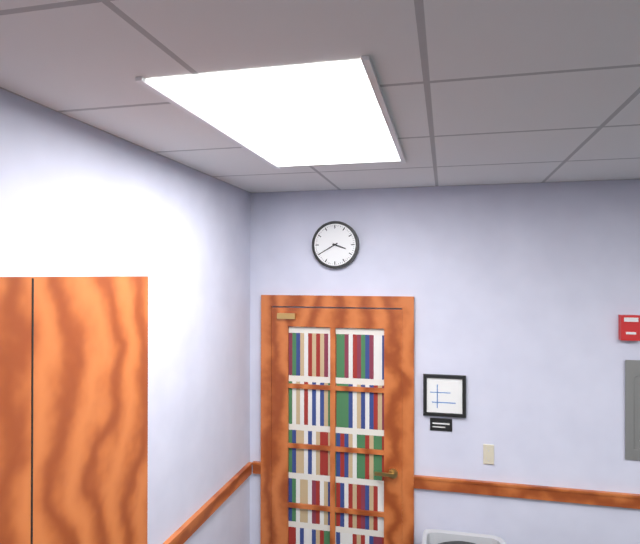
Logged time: 3:40
